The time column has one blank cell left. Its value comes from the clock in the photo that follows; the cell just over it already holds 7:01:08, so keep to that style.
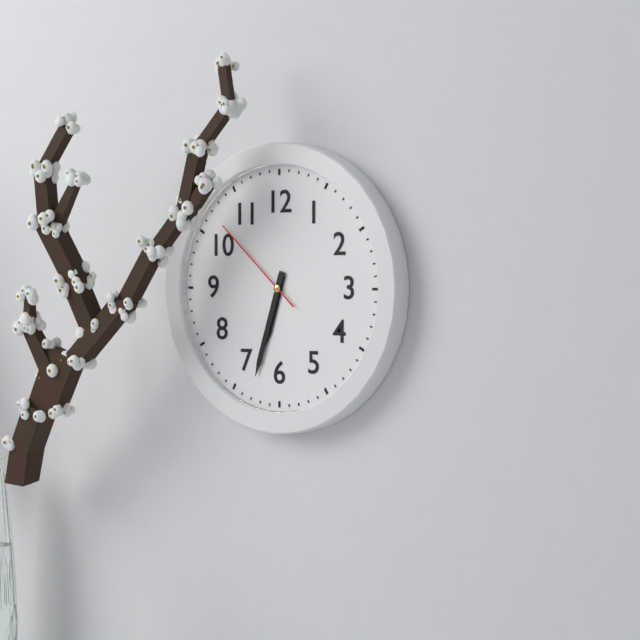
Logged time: 6:33:52
